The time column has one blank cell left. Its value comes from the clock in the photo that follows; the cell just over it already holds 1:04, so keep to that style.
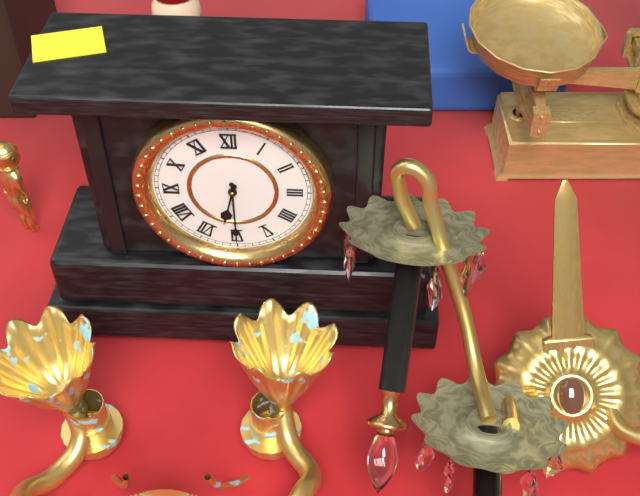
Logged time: 6:30
